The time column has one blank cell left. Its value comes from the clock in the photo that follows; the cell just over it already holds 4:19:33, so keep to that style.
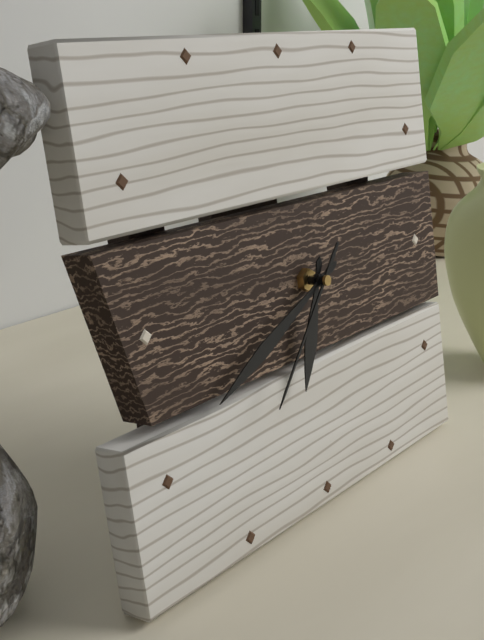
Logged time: 6:41:37
